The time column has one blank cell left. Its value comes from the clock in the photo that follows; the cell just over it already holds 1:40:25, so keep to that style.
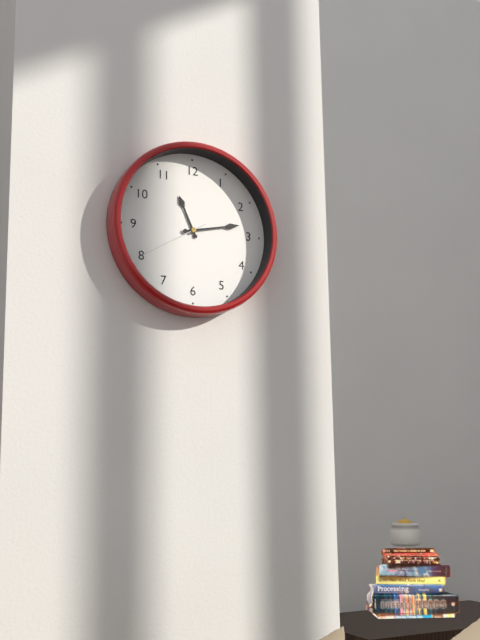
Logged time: 11:13:40
